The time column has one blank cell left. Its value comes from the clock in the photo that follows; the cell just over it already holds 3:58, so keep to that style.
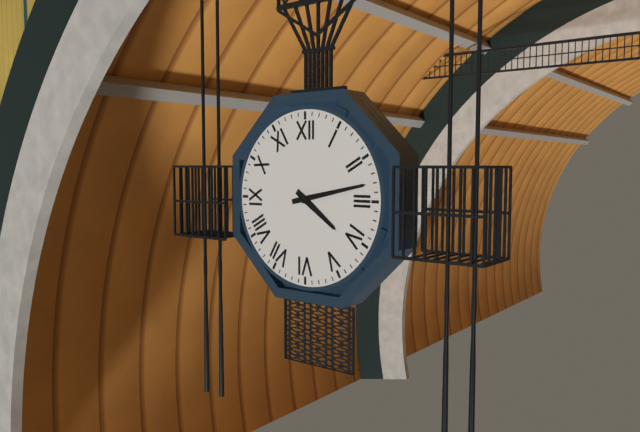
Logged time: 4:13
